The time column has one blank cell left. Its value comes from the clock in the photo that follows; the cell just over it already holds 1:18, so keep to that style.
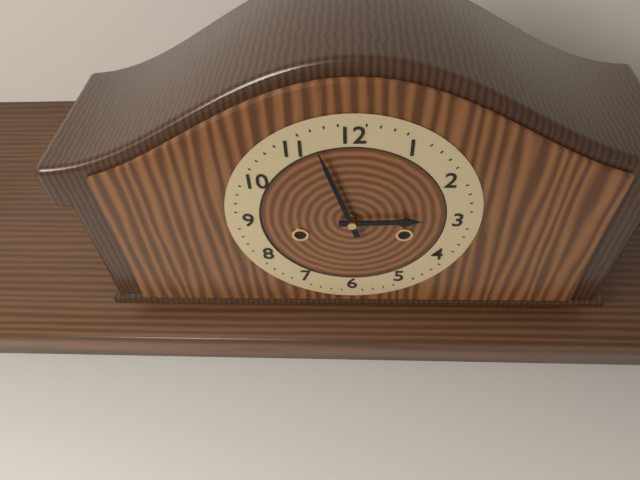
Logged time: 2:57
